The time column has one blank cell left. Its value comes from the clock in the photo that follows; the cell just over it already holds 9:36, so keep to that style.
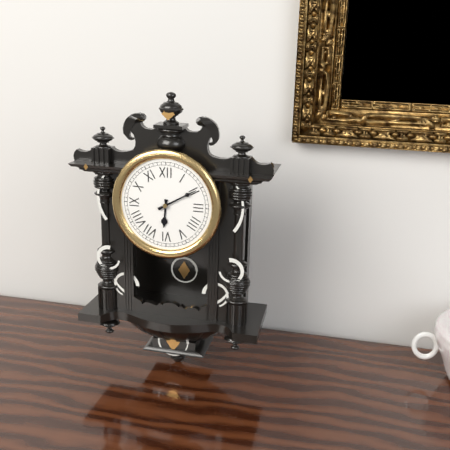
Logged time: 6:10
